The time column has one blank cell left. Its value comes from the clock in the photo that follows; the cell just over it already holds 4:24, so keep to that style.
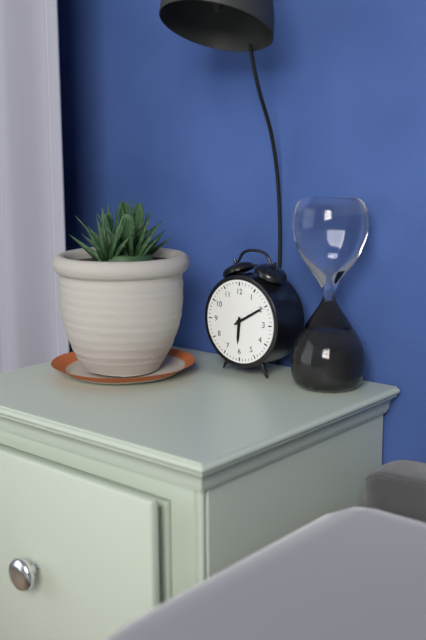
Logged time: 6:10
